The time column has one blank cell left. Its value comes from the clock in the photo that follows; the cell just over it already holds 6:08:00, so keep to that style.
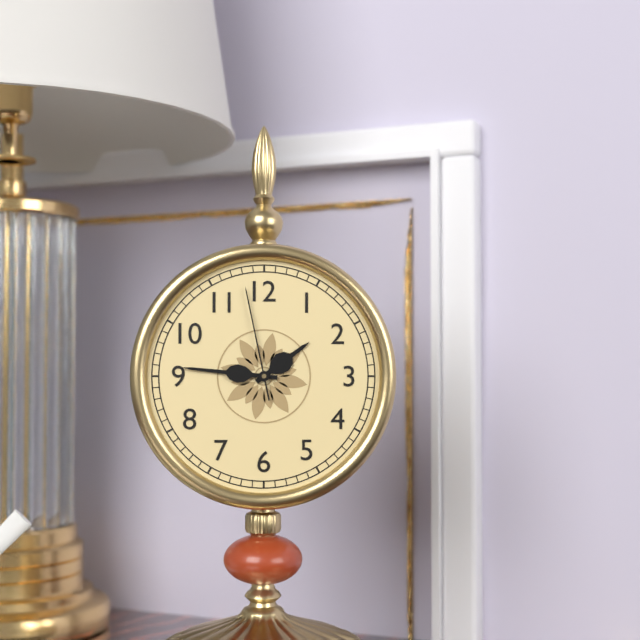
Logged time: 1:46:58
